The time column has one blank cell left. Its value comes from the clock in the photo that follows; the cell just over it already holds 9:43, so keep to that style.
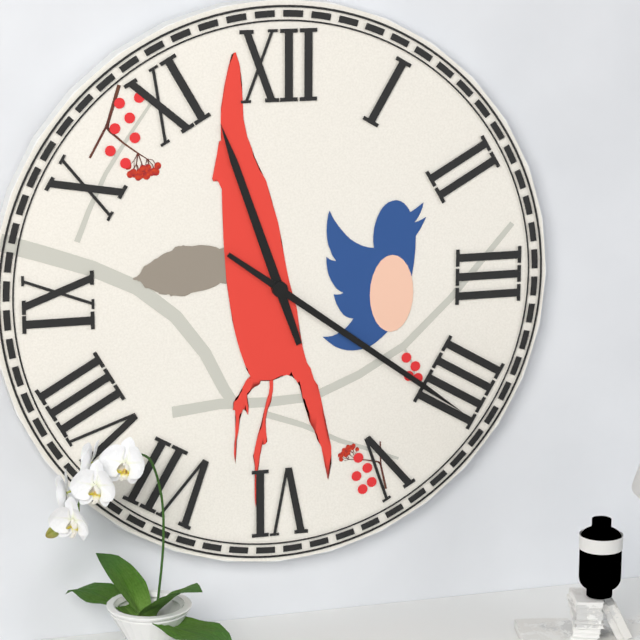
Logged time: 11:21
